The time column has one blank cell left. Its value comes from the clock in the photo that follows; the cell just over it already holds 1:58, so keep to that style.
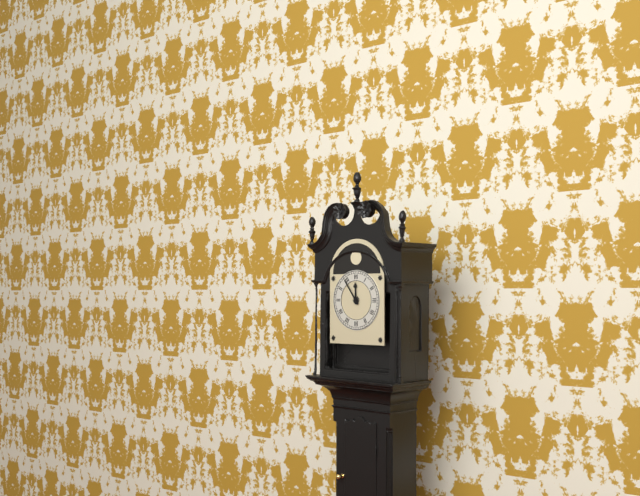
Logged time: 11:54
